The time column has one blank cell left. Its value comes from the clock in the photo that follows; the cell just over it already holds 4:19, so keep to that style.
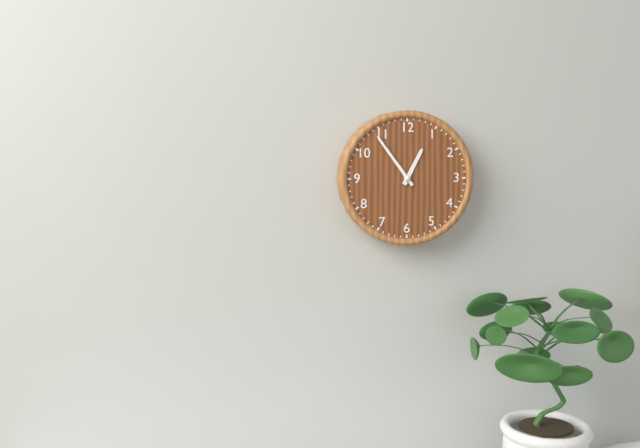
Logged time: 12:54
